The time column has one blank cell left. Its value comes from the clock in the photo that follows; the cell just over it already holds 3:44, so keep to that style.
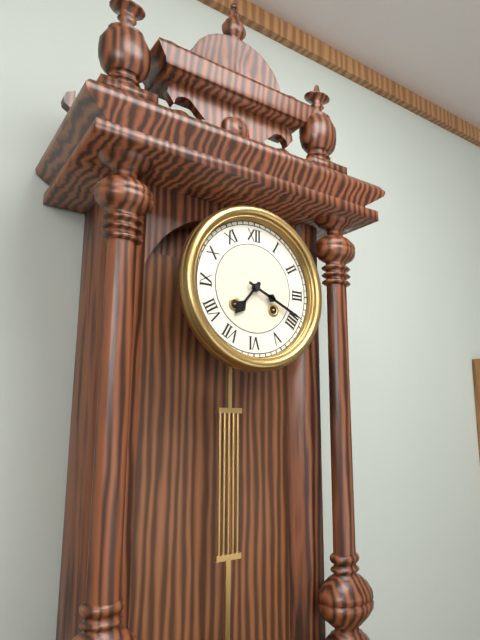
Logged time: 7:19
